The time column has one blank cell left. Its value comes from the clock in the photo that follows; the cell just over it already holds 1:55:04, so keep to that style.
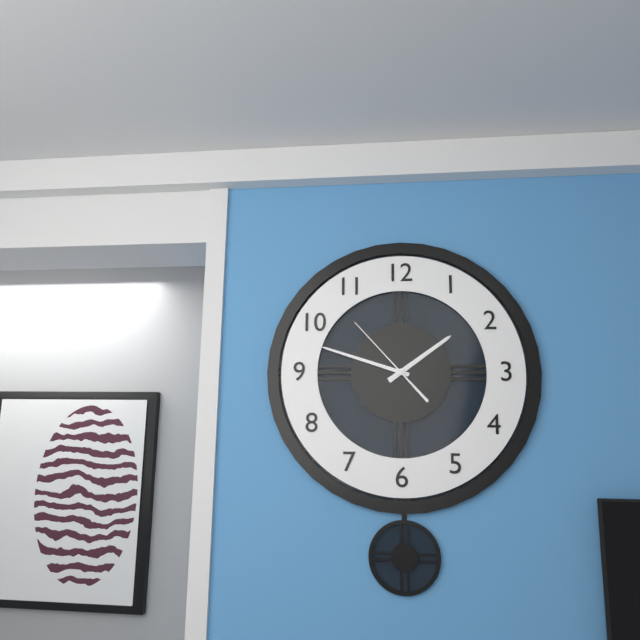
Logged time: 1:48:53
